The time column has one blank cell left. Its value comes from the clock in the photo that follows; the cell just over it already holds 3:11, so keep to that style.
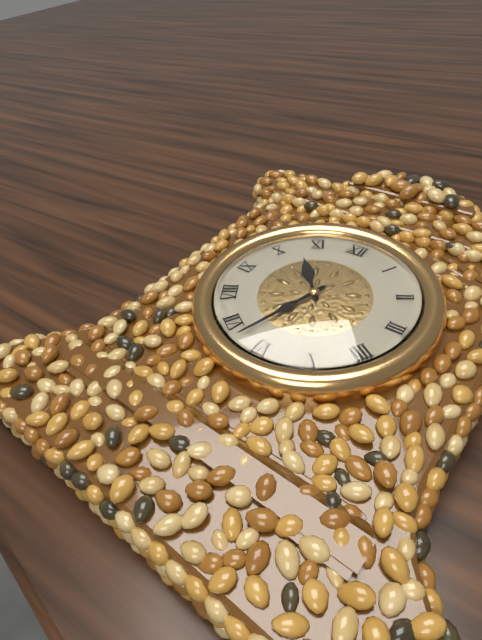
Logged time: 10:33
